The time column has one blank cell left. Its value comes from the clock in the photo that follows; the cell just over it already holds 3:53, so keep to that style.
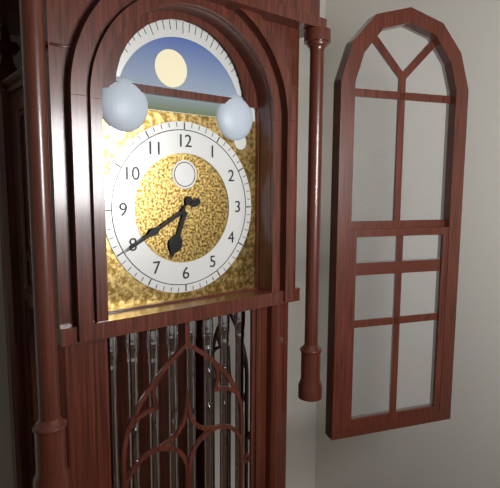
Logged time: 6:40
